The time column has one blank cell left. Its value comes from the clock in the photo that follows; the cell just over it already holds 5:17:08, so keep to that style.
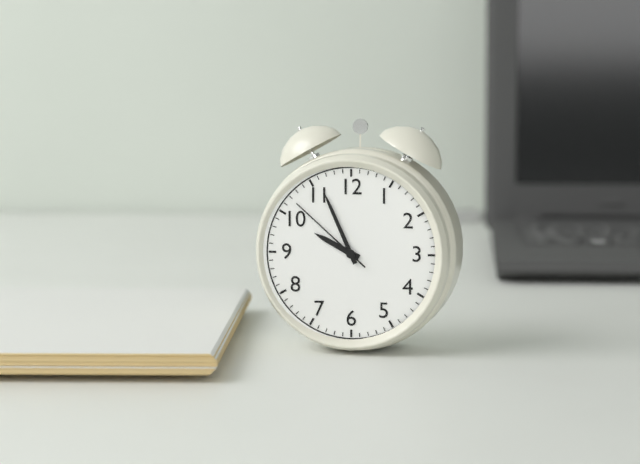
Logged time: 9:56:52
